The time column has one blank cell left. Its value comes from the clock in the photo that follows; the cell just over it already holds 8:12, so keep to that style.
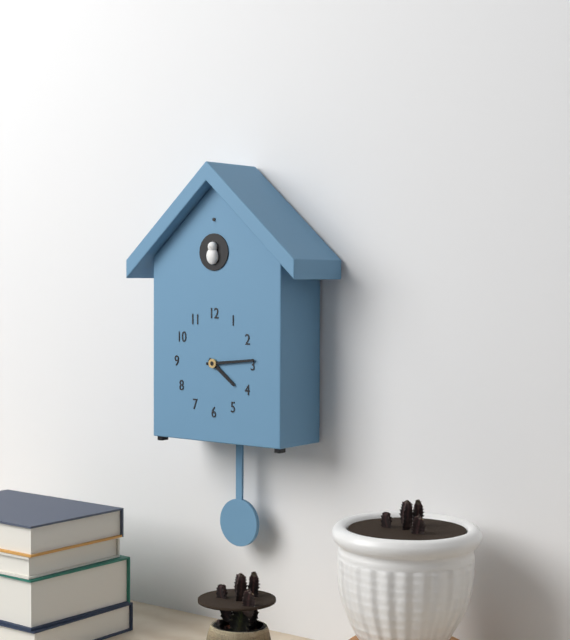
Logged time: 4:14
